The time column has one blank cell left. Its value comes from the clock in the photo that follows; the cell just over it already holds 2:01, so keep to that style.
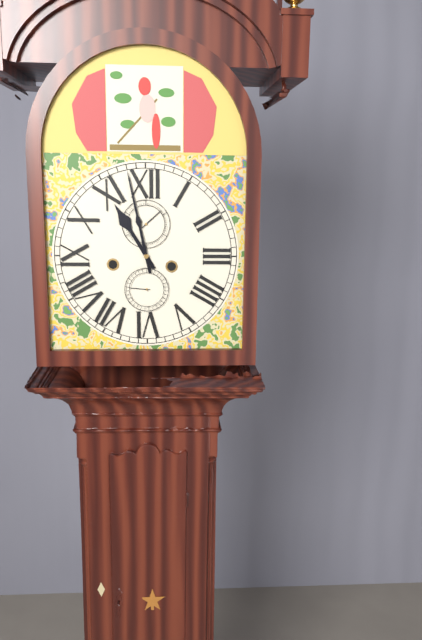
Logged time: 10:58
